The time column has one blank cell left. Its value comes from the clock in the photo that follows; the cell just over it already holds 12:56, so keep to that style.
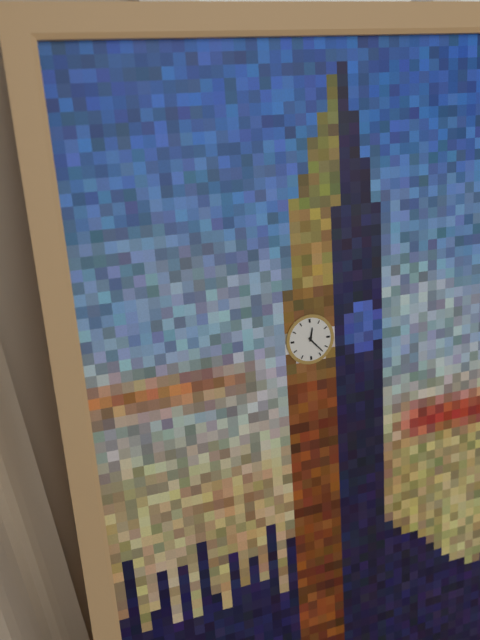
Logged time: 12:23
